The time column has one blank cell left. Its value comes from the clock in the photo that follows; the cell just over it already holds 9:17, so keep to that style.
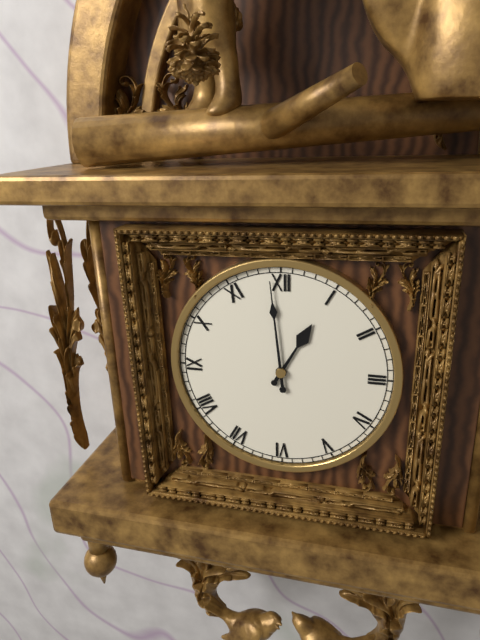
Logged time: 12:59
